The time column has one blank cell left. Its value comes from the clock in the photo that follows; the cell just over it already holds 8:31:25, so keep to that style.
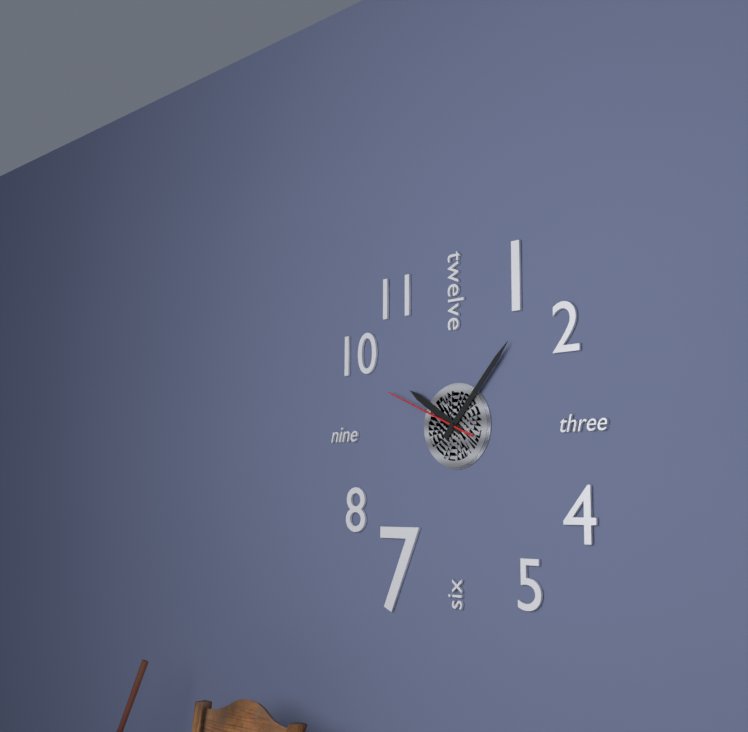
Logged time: 10:07:49
